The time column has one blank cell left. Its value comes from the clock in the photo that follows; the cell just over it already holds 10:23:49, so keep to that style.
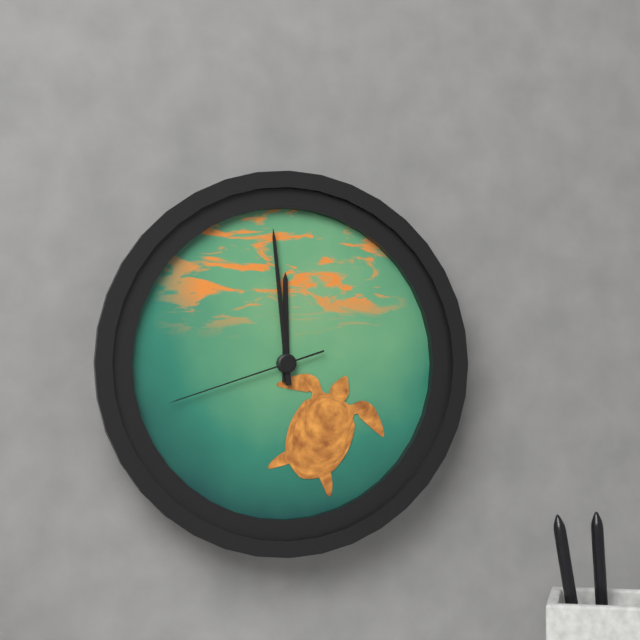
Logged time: 11:59:42
